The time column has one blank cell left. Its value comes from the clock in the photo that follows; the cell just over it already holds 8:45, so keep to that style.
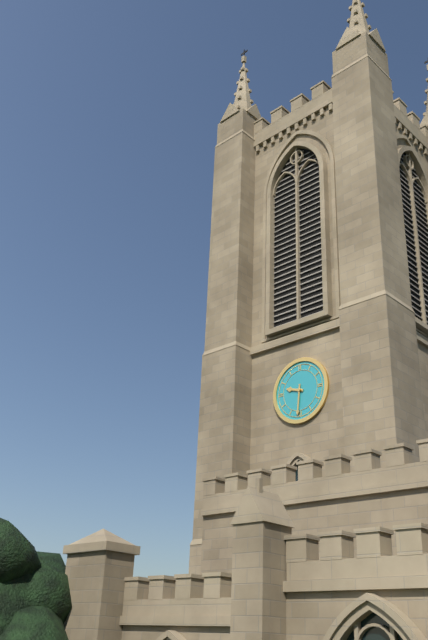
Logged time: 9:31
